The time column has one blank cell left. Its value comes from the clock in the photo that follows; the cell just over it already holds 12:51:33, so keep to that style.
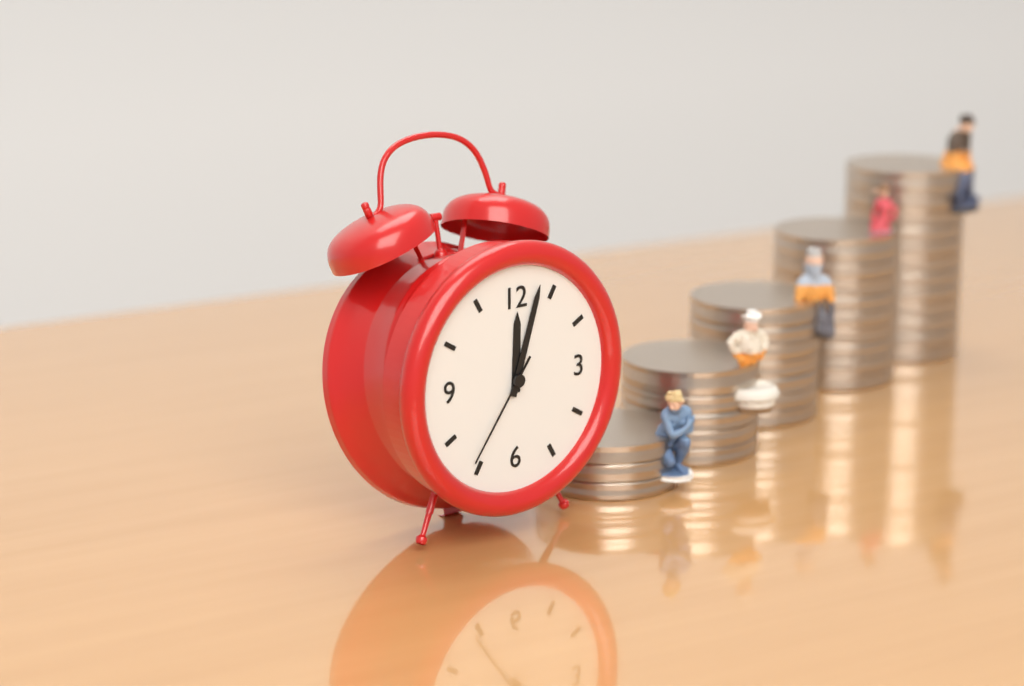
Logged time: 12:03:36
